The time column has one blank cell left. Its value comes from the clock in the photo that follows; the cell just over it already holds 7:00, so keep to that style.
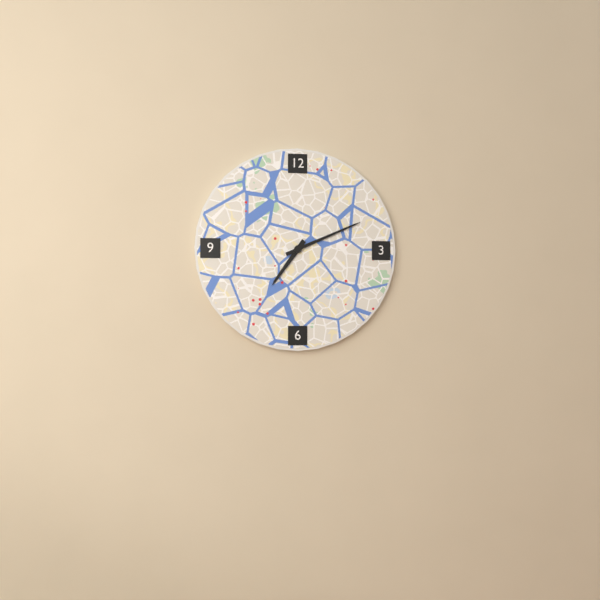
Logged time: 7:11
